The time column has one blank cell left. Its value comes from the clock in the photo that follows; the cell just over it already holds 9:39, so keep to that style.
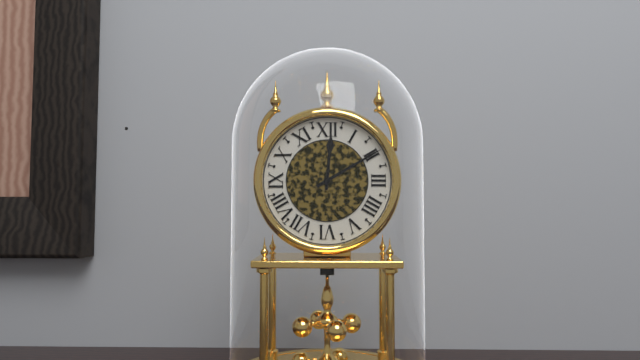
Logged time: 12:10
